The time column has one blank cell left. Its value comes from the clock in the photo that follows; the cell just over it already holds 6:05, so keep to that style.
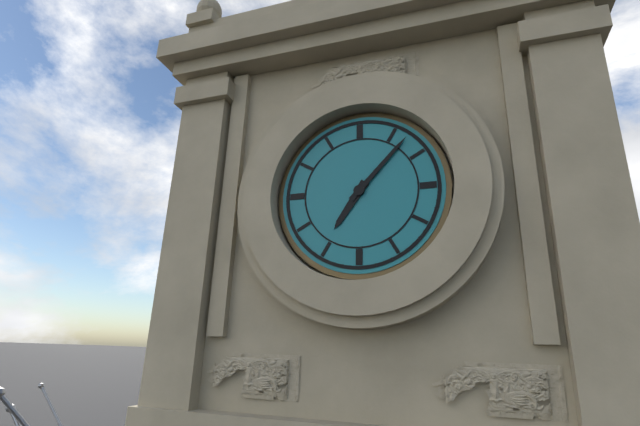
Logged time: 7:07
